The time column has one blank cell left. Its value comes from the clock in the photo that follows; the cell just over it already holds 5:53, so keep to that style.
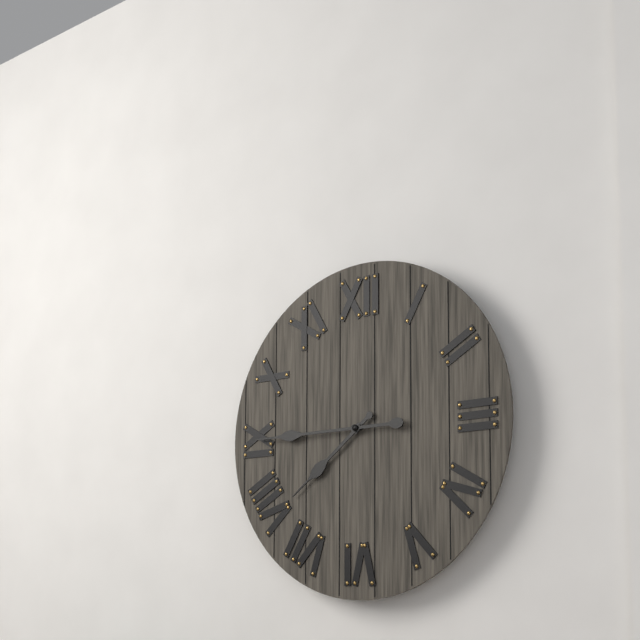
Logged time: 7:45
